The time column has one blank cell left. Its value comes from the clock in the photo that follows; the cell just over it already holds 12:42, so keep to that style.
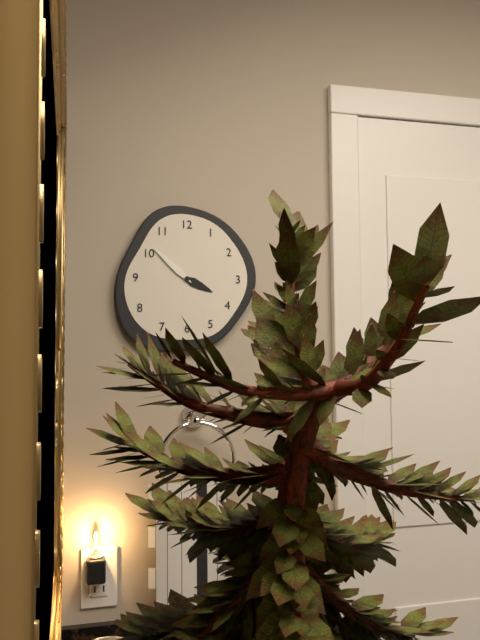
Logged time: 3:52
